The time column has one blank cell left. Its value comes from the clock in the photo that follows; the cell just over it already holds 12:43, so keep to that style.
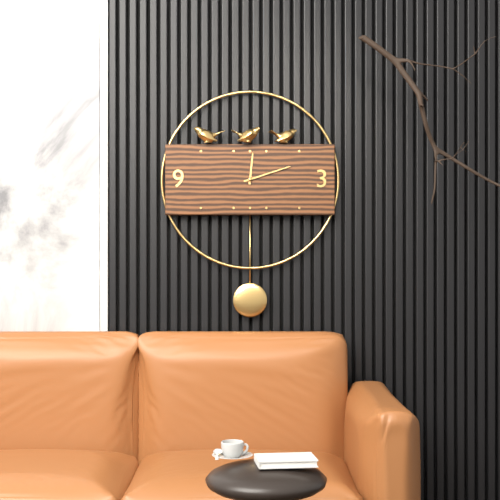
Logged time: 12:12
